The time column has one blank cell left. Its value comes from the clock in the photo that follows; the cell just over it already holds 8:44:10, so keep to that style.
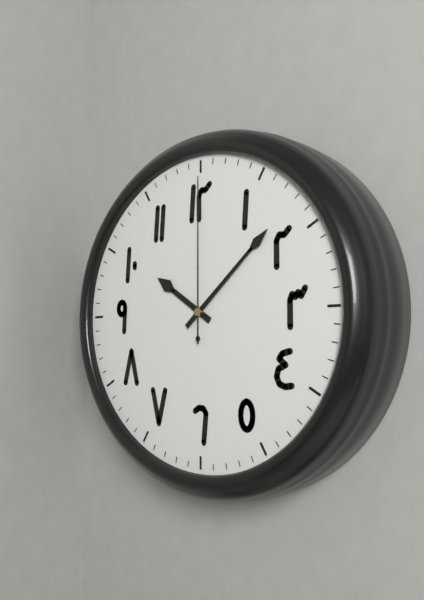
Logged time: 10:08:00
